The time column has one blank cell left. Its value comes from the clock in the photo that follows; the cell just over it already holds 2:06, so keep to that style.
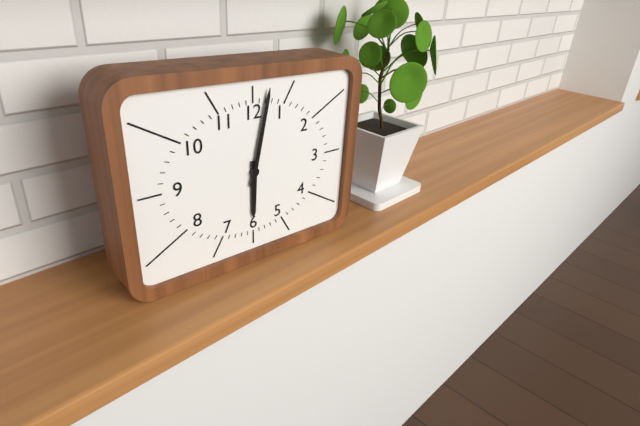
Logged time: 6:02
